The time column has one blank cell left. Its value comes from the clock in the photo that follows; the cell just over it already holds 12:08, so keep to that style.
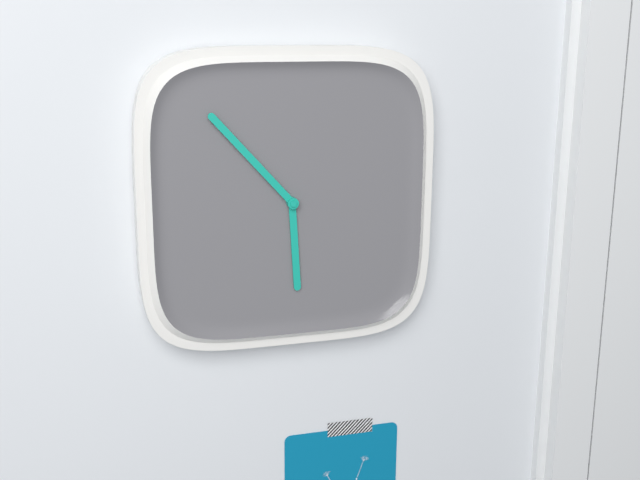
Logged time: 5:53
